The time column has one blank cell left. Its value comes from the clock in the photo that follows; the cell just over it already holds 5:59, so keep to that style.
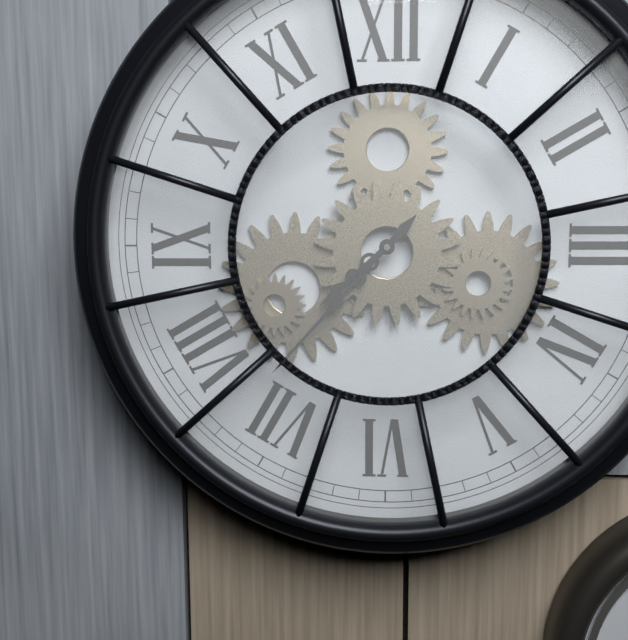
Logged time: 7:37
